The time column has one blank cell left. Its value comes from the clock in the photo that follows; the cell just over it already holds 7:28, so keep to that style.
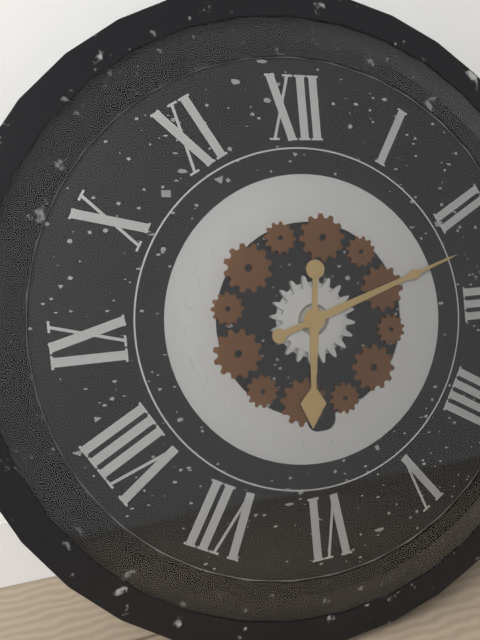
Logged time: 6:12
